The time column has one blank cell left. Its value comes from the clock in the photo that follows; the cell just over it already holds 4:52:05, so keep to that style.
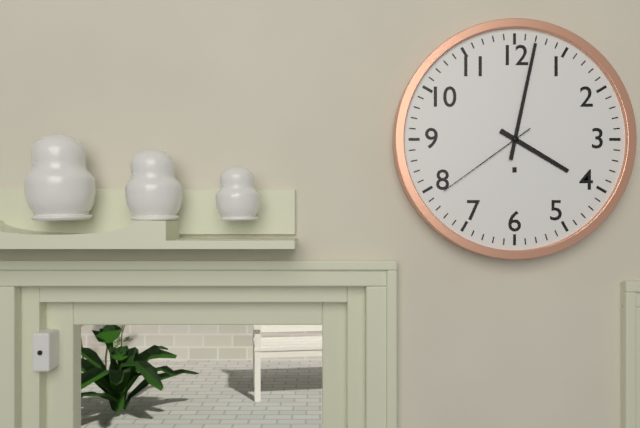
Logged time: 4:02:39
